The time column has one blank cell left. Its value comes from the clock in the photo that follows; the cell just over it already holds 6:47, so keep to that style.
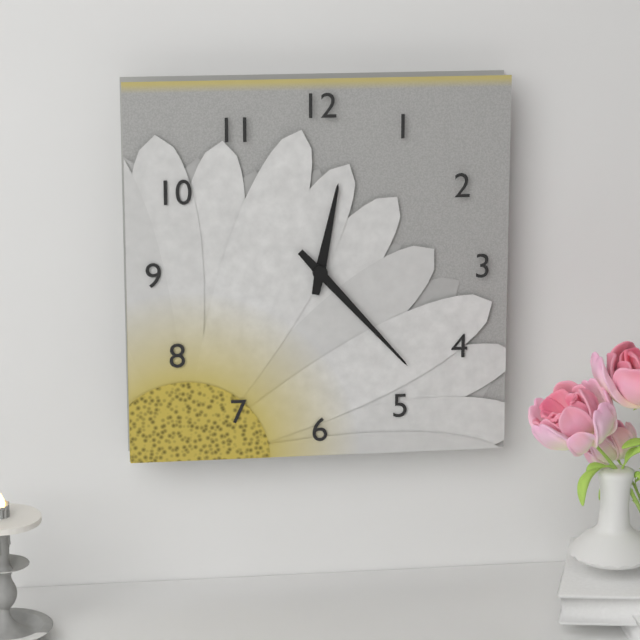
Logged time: 12:23
